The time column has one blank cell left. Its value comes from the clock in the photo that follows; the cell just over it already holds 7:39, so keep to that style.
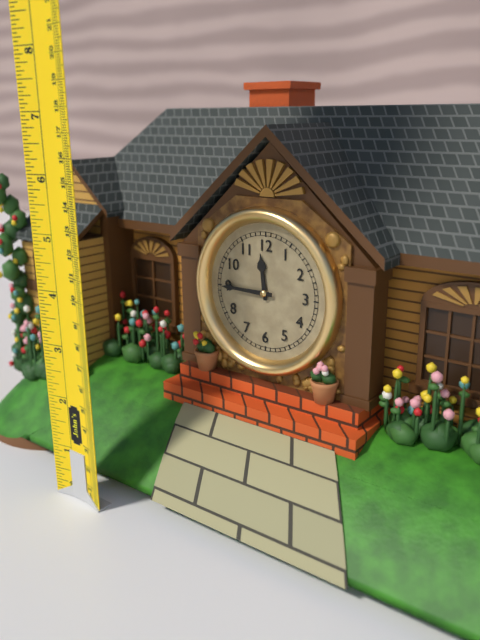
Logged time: 11:45
